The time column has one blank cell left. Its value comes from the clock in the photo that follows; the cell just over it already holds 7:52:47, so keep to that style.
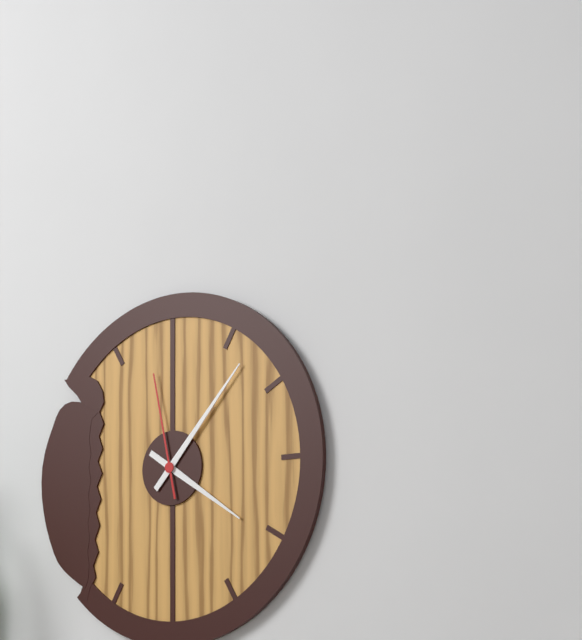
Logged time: 4:07:58
